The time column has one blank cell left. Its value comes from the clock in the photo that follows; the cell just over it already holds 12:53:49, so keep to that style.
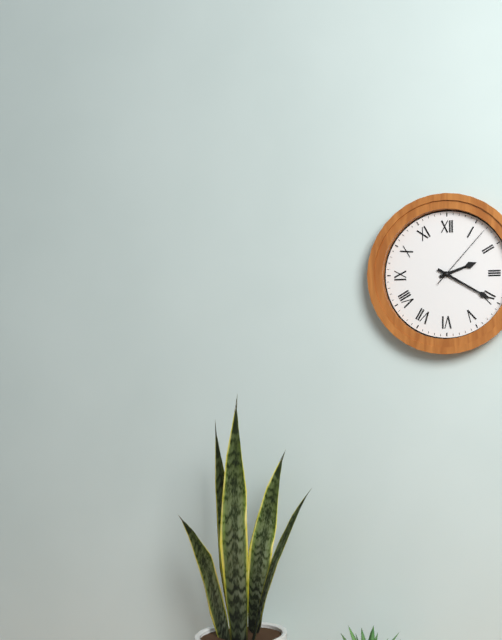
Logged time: 2:20:07
